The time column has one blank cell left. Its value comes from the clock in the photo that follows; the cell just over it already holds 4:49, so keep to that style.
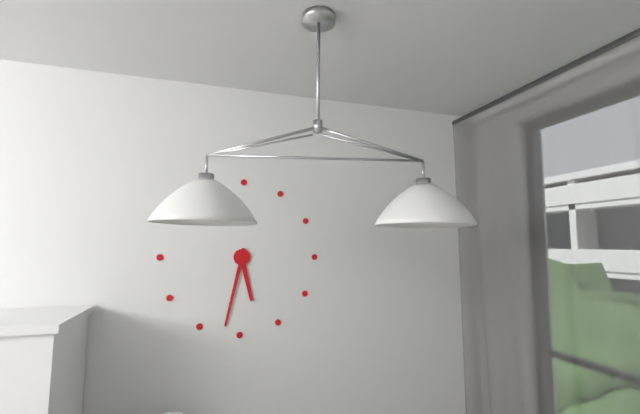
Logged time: 5:32
